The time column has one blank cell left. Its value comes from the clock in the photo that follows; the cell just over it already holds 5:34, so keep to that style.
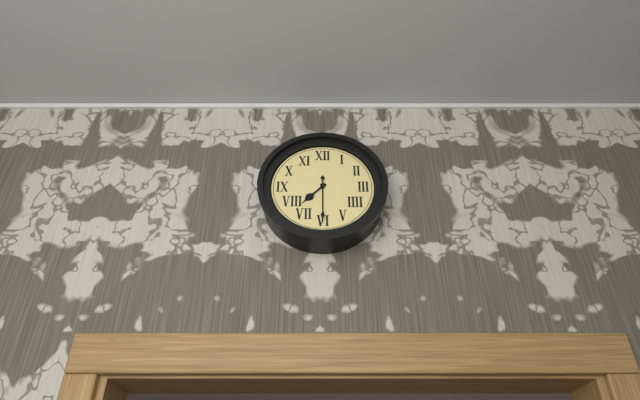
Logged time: 7:30
